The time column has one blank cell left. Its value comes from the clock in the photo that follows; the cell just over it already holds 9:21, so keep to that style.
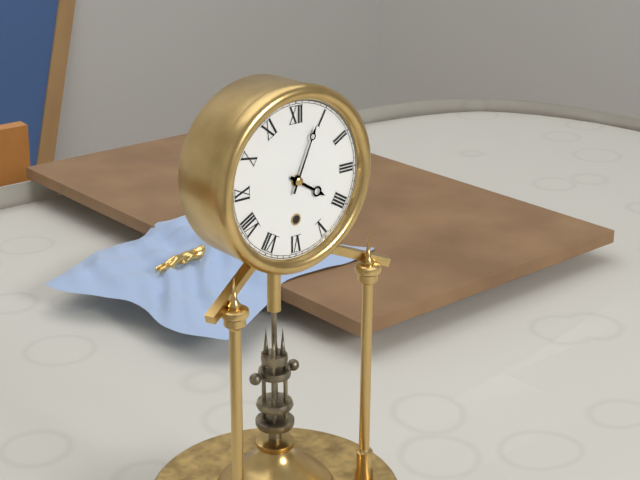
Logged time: 4:04
